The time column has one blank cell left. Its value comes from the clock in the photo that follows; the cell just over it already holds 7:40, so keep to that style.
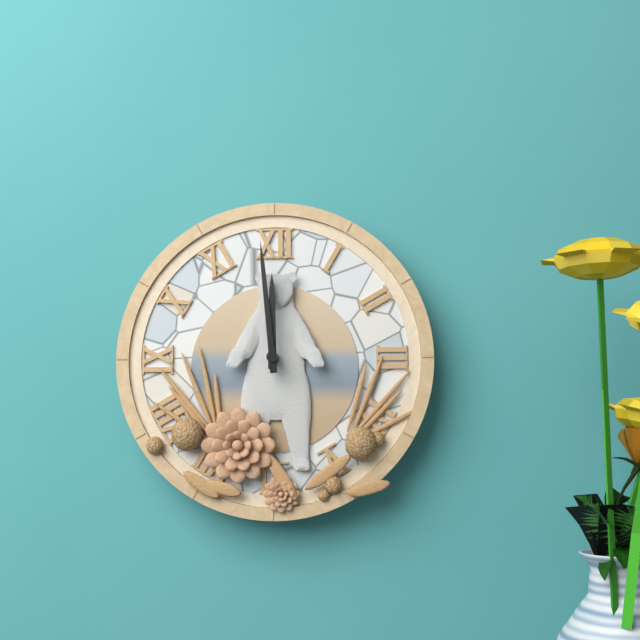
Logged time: 11:59
